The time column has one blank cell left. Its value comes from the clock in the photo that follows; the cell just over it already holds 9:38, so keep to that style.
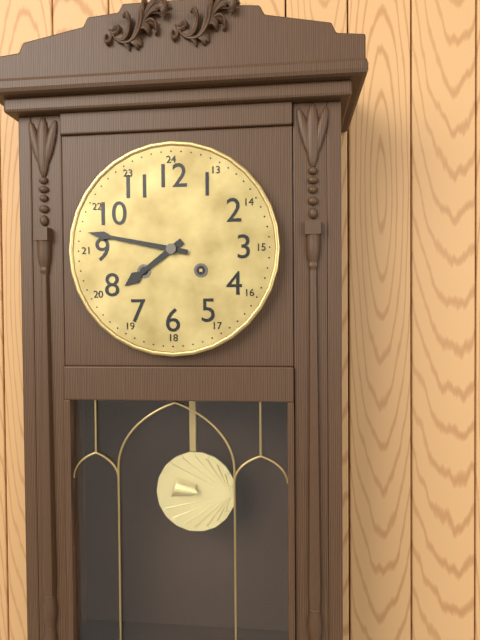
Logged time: 7:47
